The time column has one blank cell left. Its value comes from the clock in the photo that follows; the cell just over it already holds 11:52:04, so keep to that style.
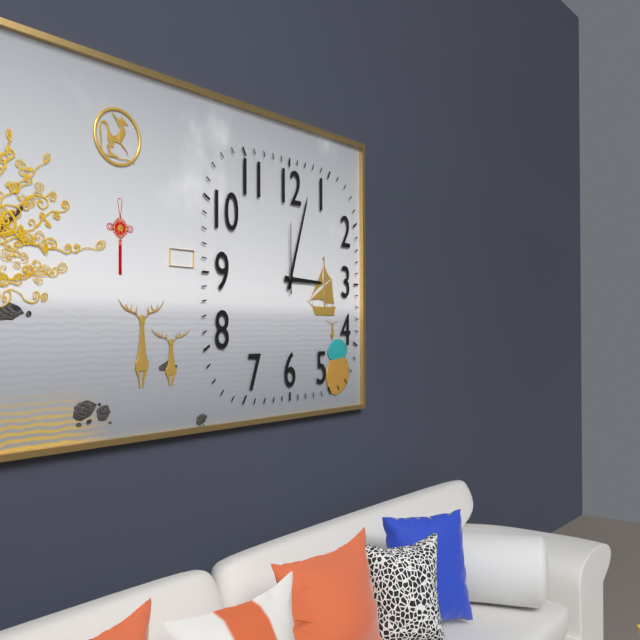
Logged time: 3:03:00
